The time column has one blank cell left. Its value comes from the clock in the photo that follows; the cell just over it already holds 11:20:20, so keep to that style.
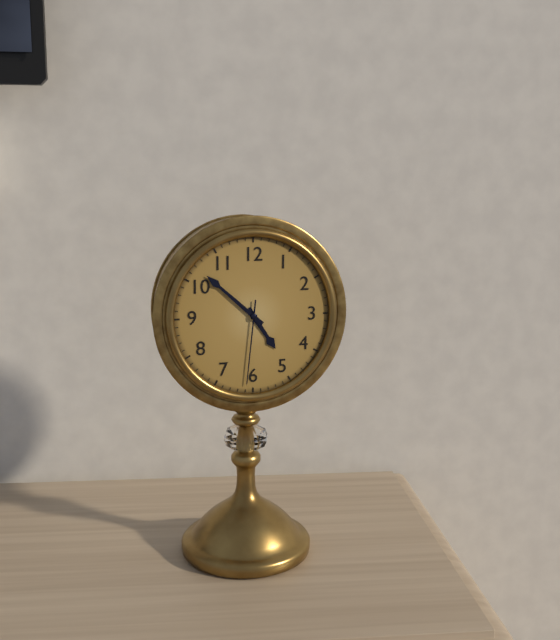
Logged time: 4:52:31
